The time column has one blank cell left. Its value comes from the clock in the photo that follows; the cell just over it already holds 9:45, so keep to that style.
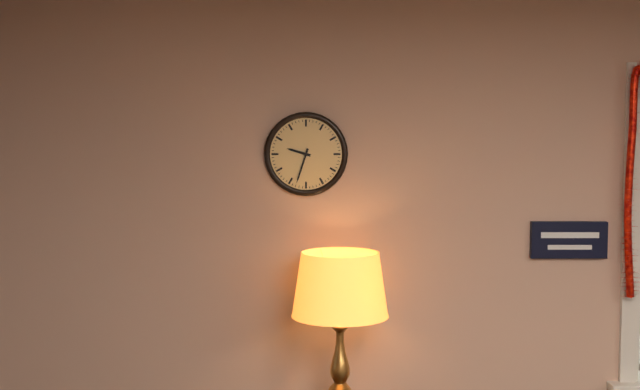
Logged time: 9:33
